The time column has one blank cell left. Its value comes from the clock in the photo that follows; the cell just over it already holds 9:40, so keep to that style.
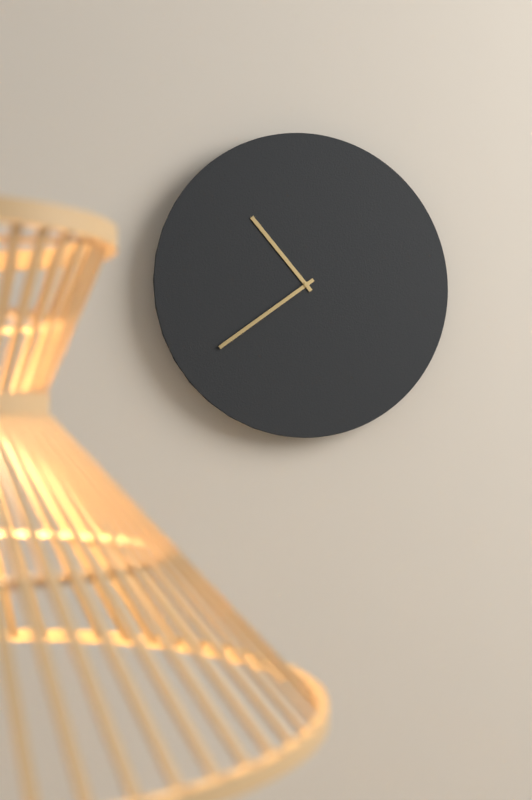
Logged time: 10:39
